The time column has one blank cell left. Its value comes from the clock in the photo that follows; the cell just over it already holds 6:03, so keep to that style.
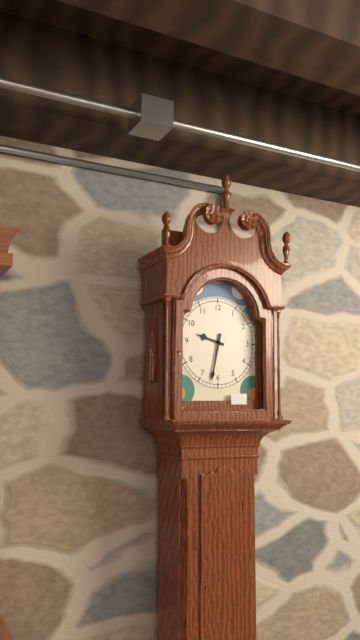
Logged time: 9:32
